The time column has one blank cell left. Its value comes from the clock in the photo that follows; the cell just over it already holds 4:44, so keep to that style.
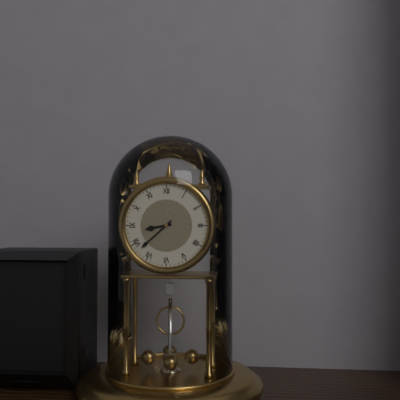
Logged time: 8:38
